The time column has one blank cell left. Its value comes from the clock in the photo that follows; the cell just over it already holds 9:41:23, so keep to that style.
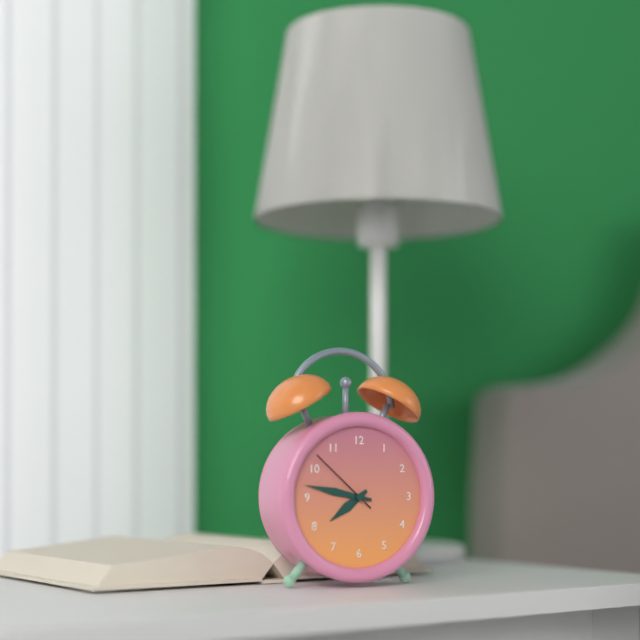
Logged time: 7:47:52
